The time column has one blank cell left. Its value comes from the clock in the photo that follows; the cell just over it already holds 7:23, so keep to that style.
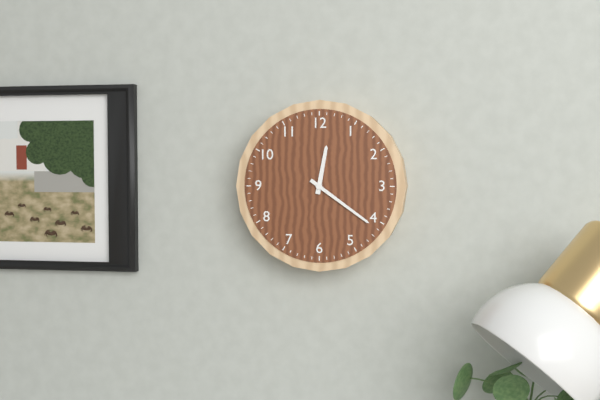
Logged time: 12:21
